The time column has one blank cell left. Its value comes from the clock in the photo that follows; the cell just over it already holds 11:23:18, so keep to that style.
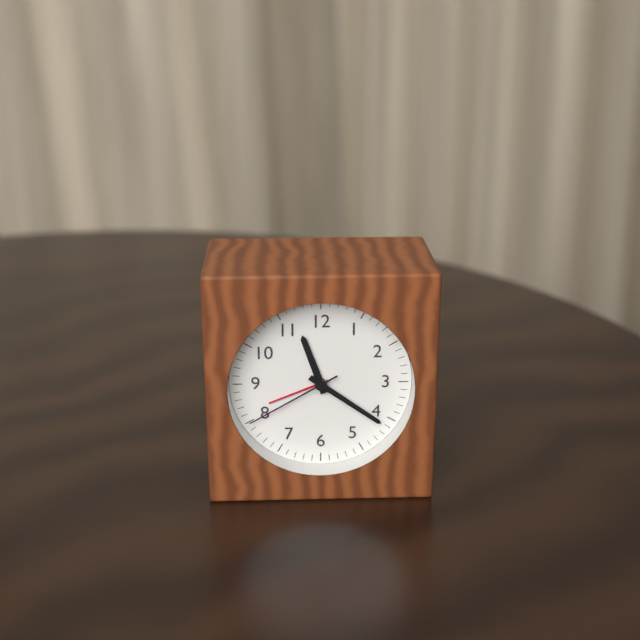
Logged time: 11:21:40
